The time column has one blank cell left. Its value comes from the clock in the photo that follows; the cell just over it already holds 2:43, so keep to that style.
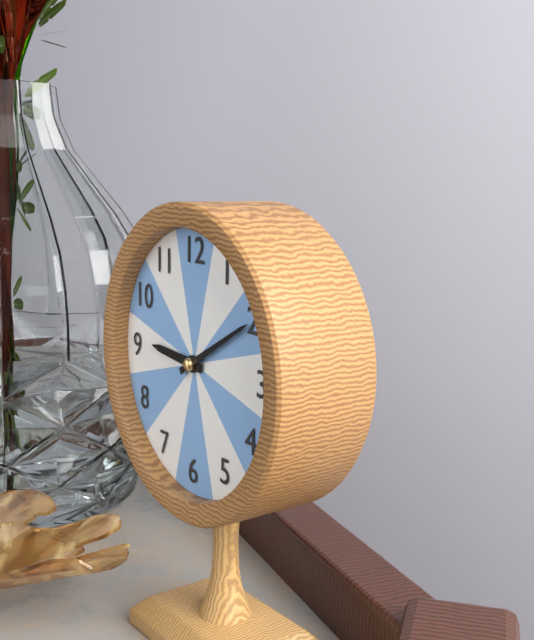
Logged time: 9:10
